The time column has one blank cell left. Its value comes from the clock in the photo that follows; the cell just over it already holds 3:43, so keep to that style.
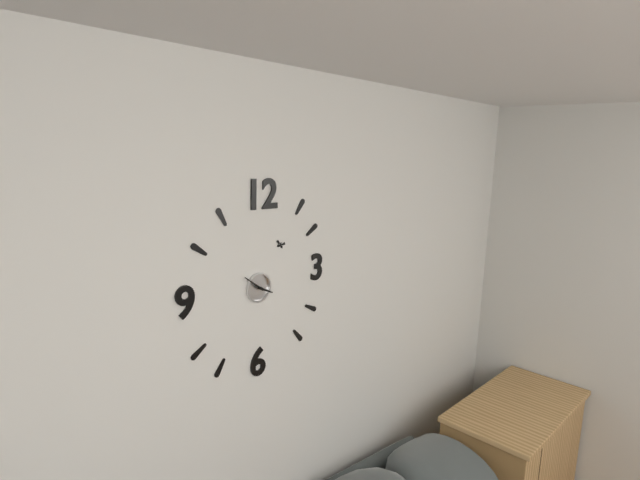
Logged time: 3:51
